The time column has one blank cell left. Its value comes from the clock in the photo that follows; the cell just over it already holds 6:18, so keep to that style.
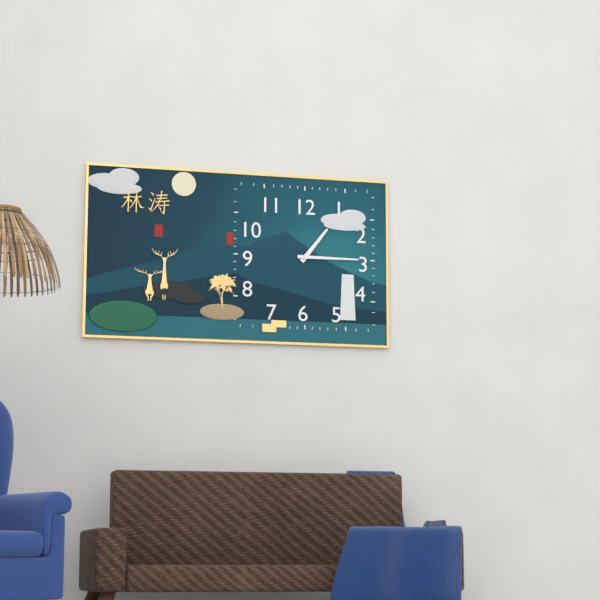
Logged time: 1:15
